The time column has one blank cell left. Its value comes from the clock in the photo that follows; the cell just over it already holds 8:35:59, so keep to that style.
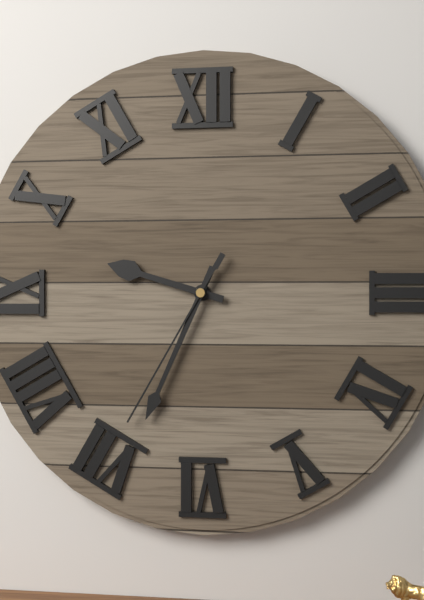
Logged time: 9:34:35
